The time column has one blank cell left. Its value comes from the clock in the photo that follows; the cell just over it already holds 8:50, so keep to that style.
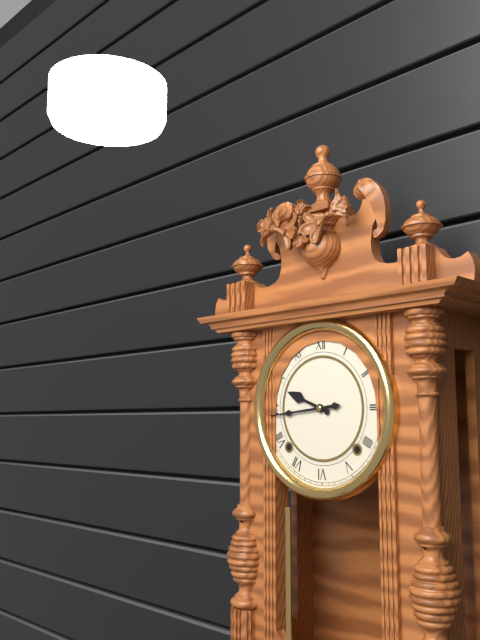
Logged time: 9:44
